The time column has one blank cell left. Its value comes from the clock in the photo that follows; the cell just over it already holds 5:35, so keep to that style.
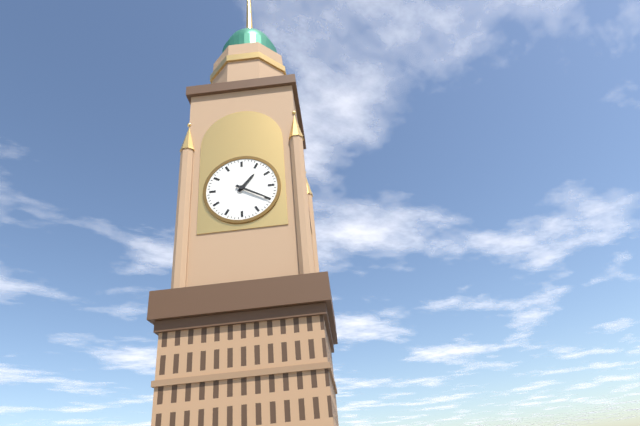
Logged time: 1:20
